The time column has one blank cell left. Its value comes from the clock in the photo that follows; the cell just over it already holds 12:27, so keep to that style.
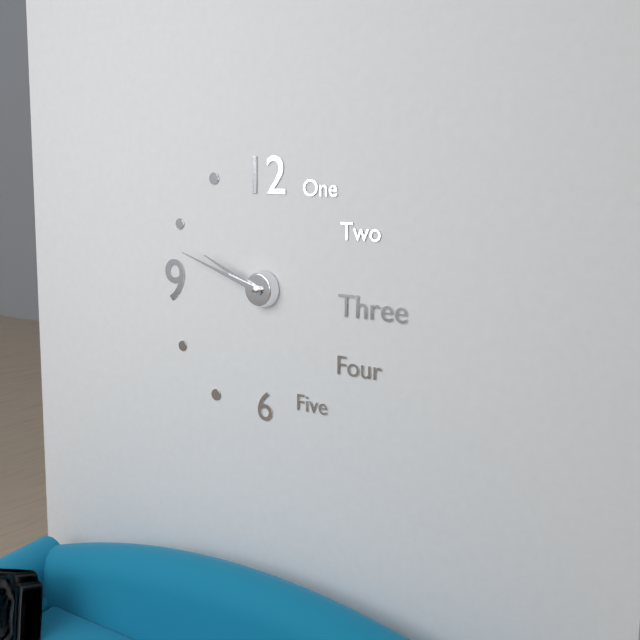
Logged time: 9:48
